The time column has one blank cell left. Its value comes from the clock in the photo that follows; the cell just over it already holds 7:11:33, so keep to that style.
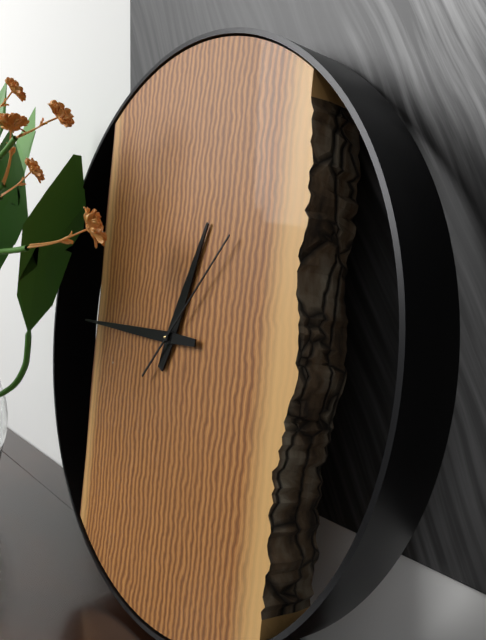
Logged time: 12:45:07
